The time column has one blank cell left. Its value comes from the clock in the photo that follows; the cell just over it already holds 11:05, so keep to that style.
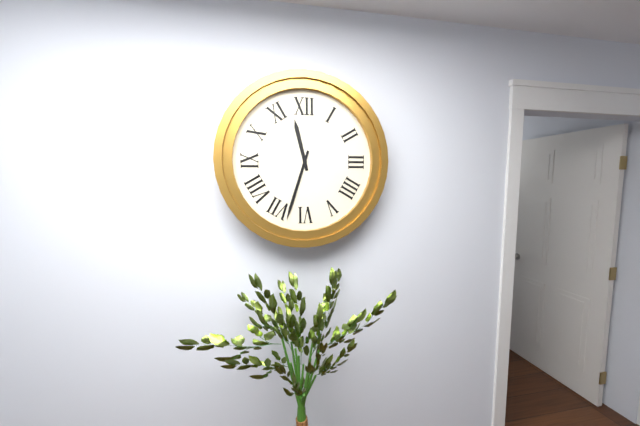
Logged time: 11:33
